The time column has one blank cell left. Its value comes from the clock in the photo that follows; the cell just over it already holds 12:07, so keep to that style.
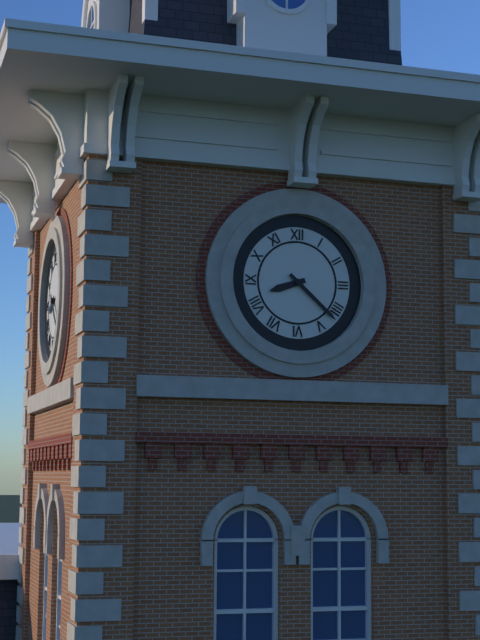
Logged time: 8:22
